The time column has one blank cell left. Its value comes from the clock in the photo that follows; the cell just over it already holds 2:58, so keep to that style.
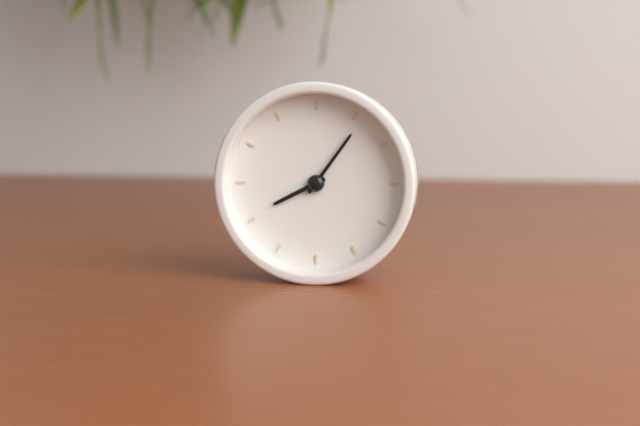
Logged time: 8:06
